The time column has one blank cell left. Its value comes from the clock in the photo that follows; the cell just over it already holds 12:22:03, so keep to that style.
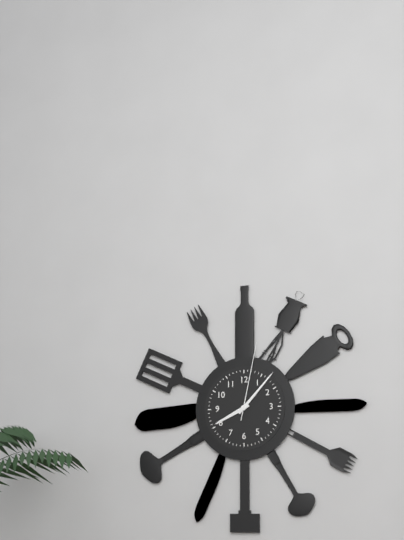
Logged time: 8:07:02
